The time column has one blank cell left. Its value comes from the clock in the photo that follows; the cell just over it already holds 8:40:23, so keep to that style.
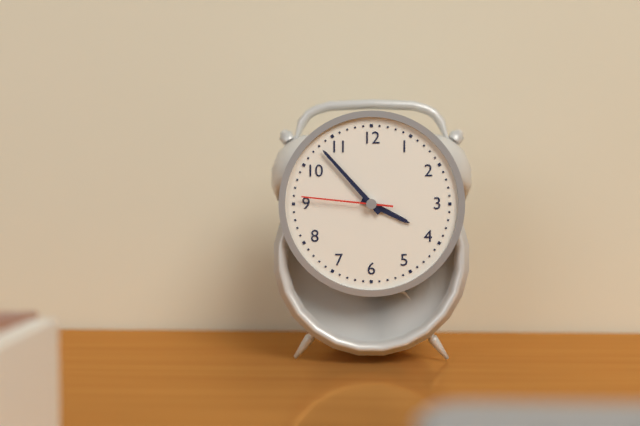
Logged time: 3:53:46
